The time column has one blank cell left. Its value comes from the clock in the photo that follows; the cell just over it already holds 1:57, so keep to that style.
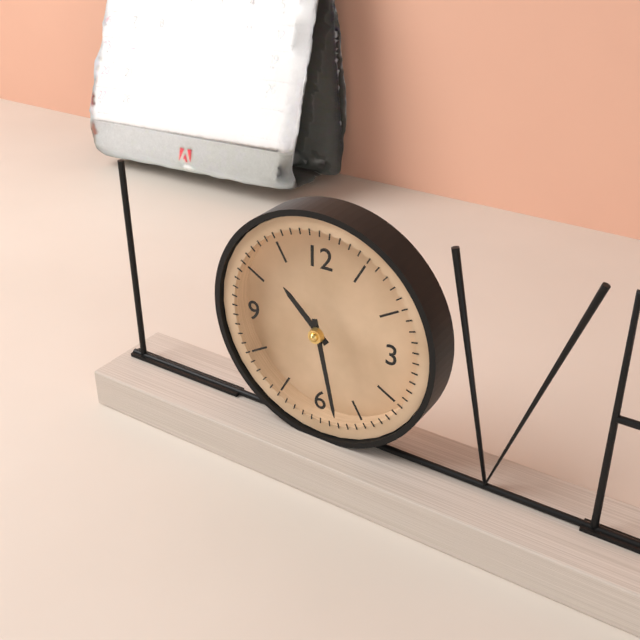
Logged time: 10:28
